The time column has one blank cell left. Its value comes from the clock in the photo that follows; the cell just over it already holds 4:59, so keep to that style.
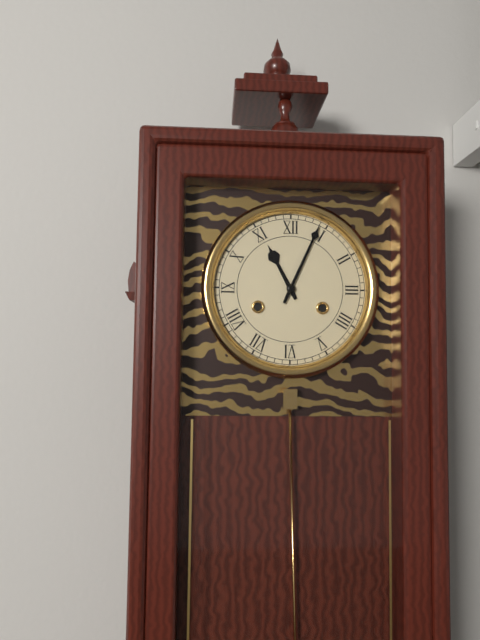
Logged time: 11:04
